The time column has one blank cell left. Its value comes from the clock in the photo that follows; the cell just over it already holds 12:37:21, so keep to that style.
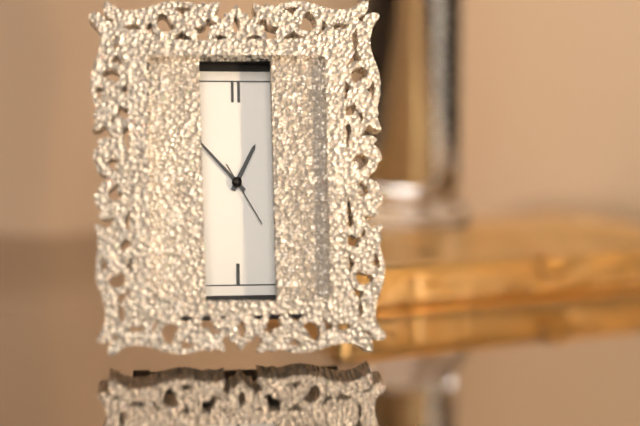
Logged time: 12:53:25
